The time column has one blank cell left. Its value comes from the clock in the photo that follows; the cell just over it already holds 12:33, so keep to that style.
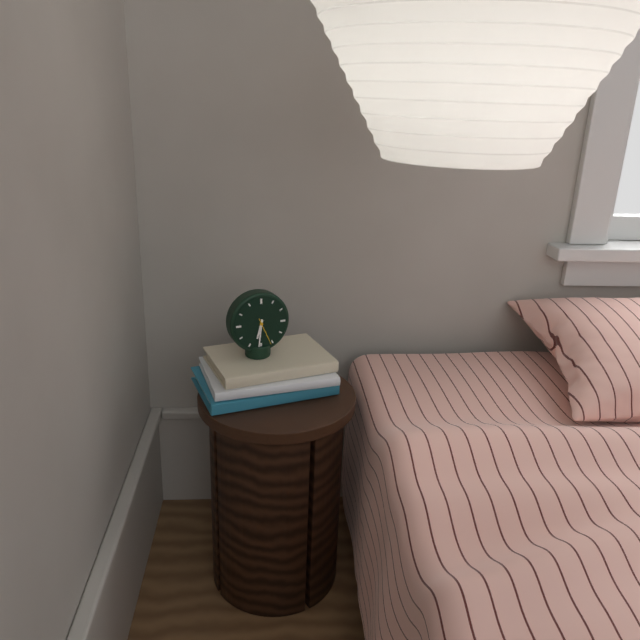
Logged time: 6:31
